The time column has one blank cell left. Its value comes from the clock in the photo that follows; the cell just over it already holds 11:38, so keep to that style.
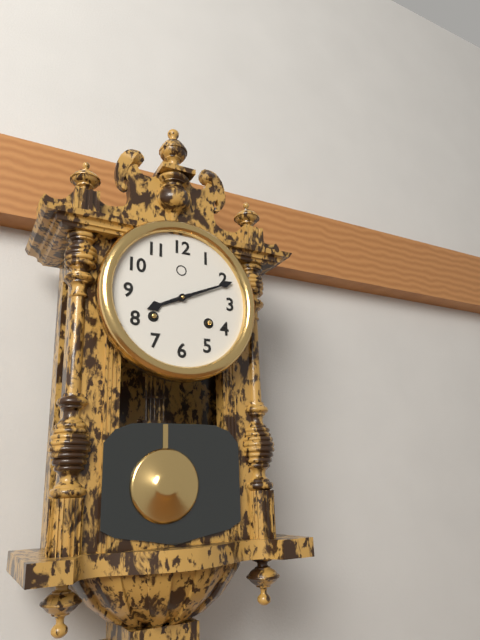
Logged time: 8:11
